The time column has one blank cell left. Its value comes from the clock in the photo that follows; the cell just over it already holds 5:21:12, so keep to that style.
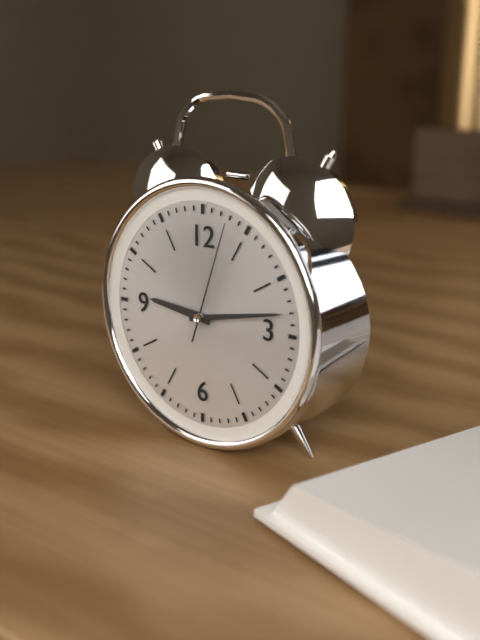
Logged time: 9:13:03
